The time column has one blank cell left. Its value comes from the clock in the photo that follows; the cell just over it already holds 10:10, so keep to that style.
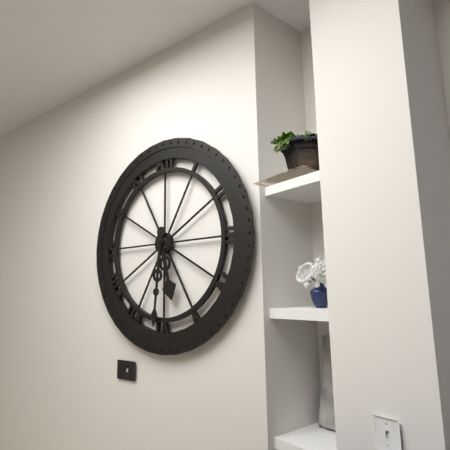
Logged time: 5:31
